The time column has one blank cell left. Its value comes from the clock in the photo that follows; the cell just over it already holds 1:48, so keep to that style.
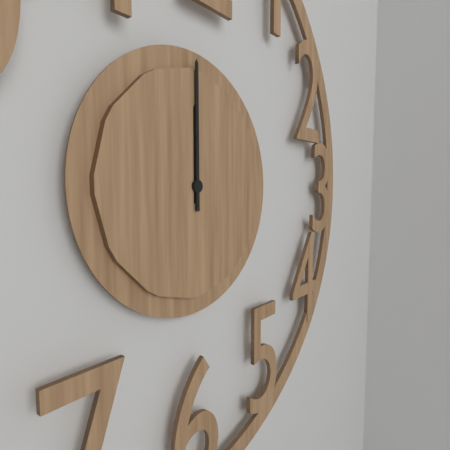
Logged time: 12:00
